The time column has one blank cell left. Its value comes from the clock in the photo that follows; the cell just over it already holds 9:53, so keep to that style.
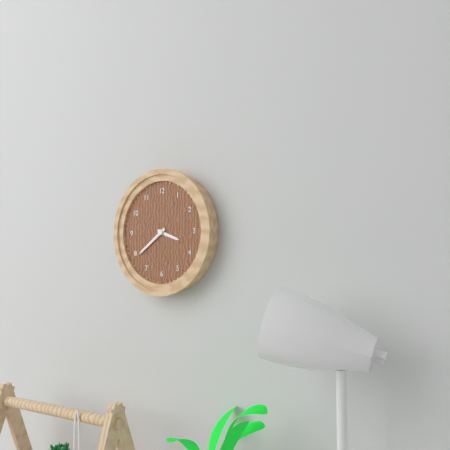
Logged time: 3:39
